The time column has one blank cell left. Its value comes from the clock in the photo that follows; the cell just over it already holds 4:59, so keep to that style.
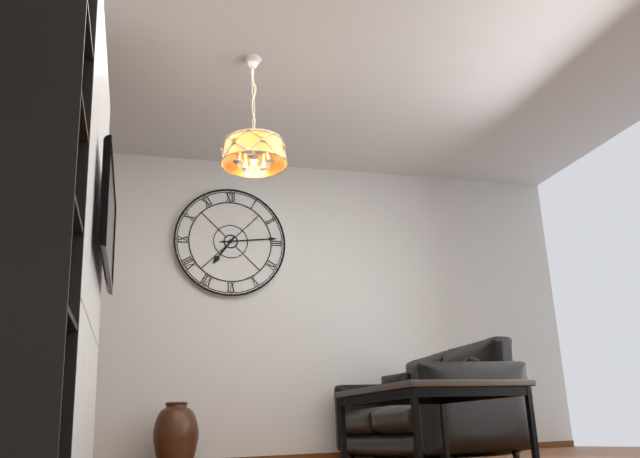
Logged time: 7:14
